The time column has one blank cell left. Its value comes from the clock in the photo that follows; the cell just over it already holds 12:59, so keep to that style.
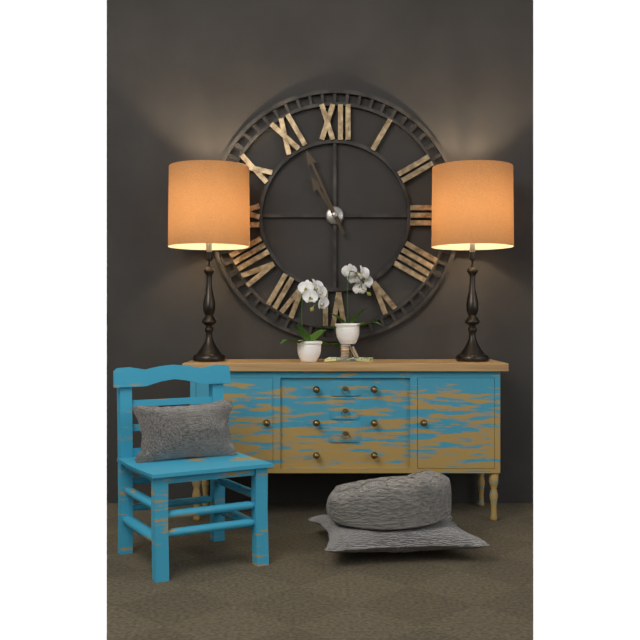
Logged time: 10:56
